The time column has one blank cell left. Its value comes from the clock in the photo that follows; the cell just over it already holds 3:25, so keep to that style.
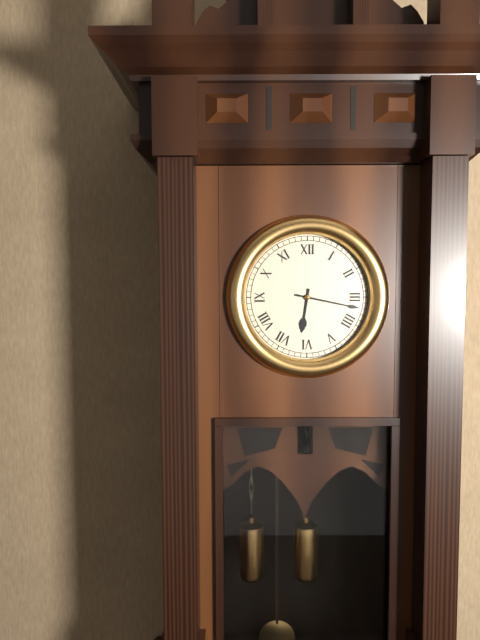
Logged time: 6:17
